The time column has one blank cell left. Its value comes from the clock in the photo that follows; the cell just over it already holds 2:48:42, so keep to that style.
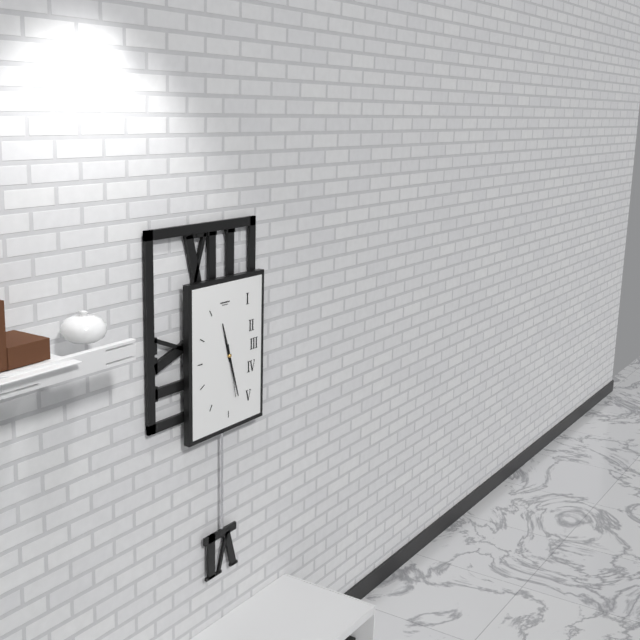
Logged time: 11:27:28
